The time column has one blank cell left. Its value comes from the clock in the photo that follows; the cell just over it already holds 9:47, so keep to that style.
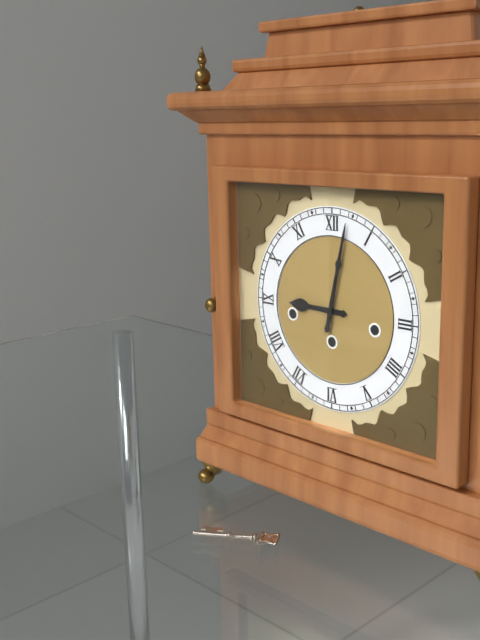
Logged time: 9:02
